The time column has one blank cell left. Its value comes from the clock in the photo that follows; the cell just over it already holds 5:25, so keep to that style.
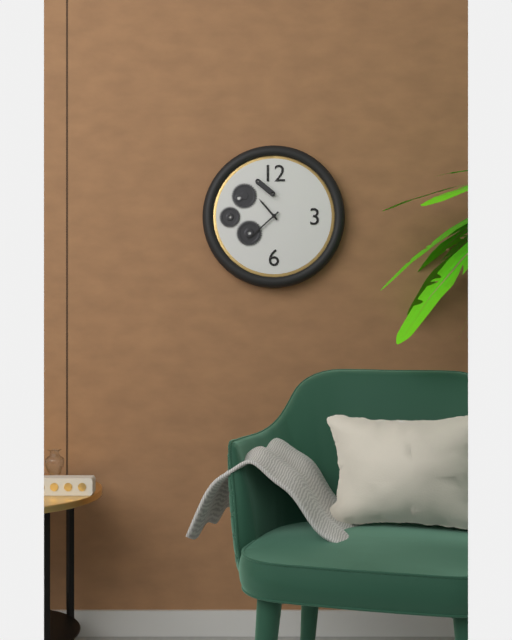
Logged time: 10:38
